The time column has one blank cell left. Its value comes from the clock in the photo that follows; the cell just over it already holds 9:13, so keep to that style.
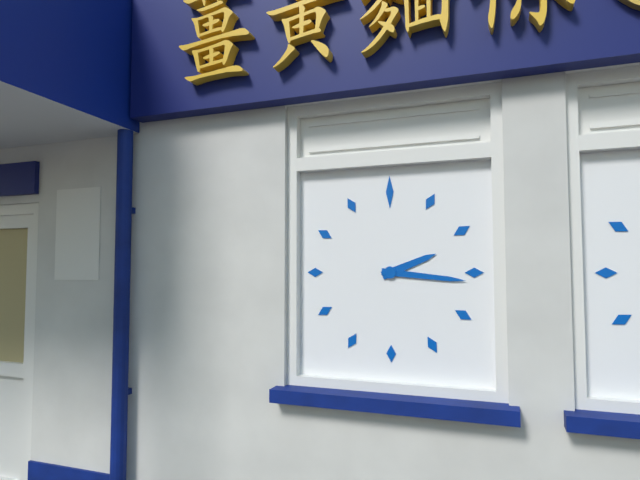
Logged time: 2:16
